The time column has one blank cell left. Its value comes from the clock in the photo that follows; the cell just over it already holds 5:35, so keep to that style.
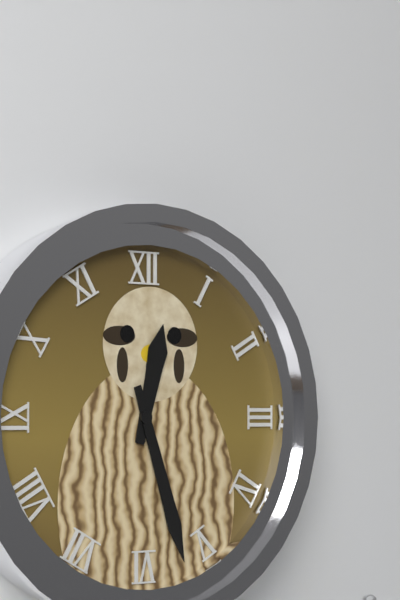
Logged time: 12:27
